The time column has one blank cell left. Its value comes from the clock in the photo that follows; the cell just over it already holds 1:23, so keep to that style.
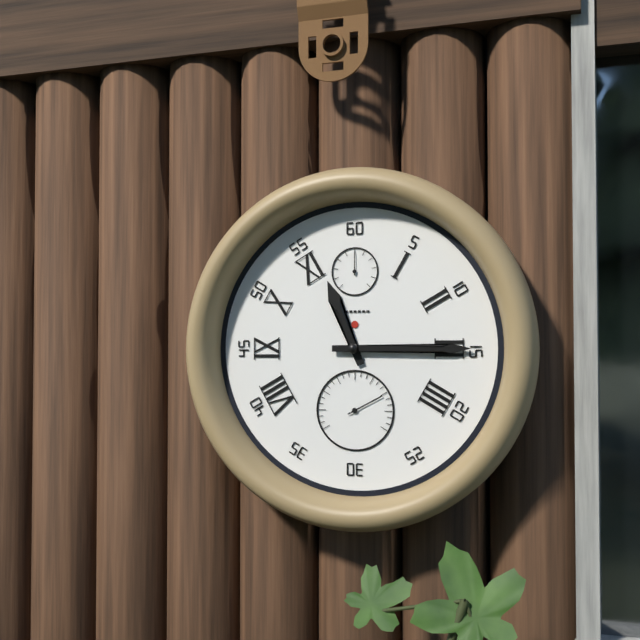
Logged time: 11:15
